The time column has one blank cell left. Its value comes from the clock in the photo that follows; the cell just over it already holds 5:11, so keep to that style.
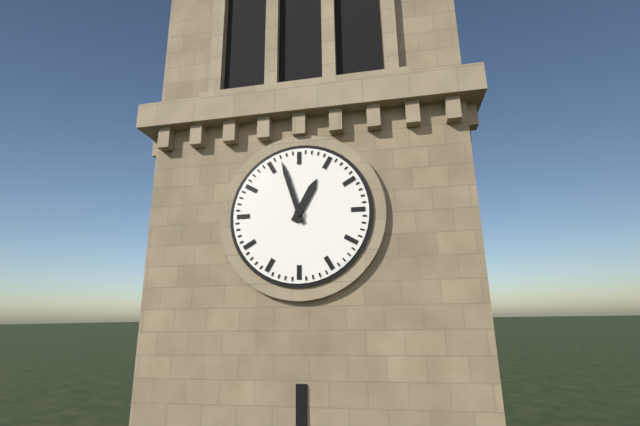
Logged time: 12:57
